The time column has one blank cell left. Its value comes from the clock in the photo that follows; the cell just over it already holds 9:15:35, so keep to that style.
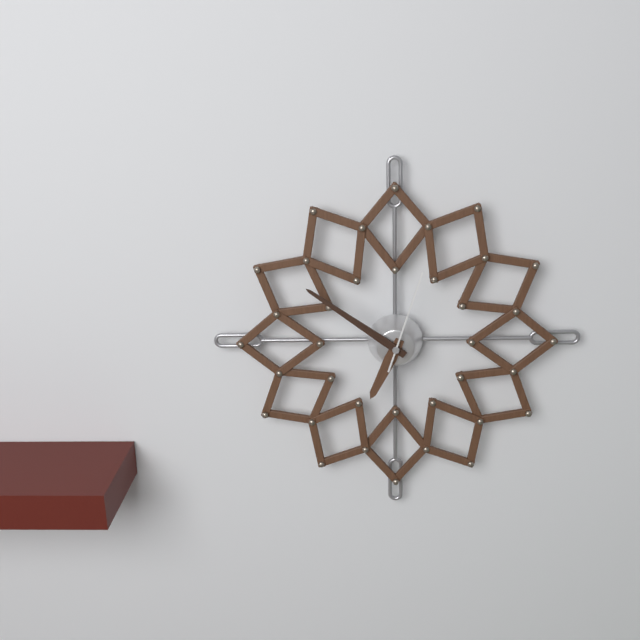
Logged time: 6:51:03
